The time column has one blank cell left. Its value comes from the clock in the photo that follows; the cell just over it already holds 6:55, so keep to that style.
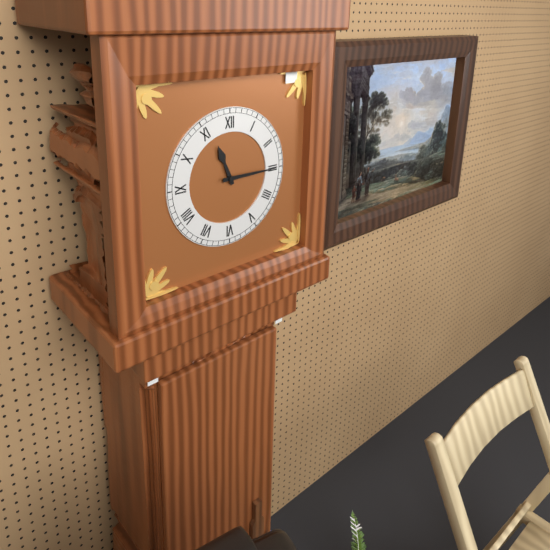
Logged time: 11:15
